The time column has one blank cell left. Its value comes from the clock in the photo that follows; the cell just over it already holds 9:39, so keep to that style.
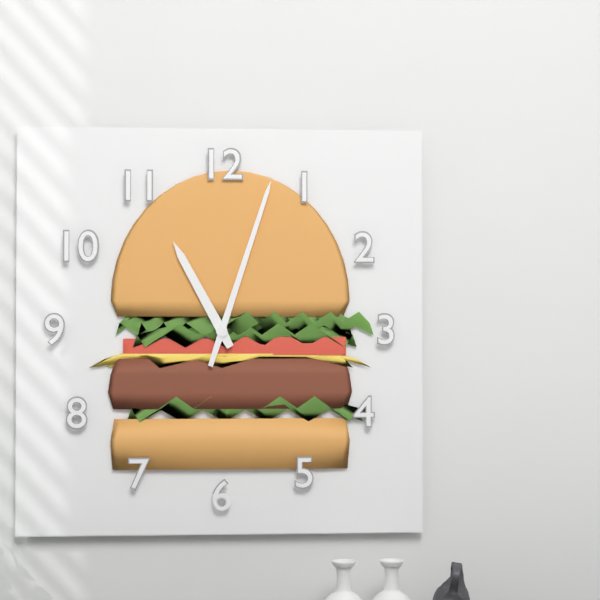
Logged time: 11:03
